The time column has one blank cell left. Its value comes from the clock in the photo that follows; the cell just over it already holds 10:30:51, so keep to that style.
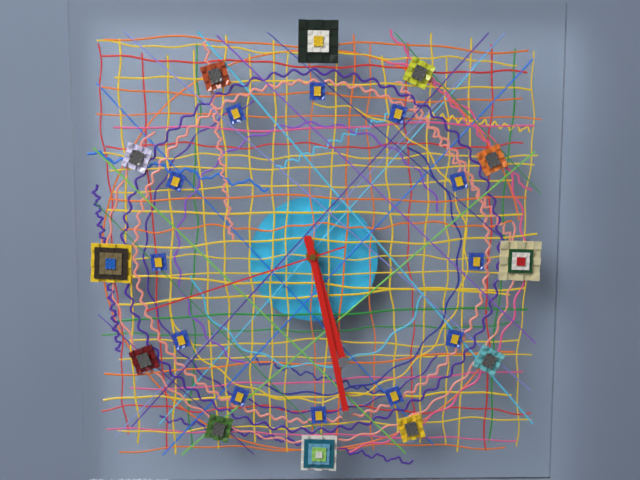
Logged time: 5:28:42
